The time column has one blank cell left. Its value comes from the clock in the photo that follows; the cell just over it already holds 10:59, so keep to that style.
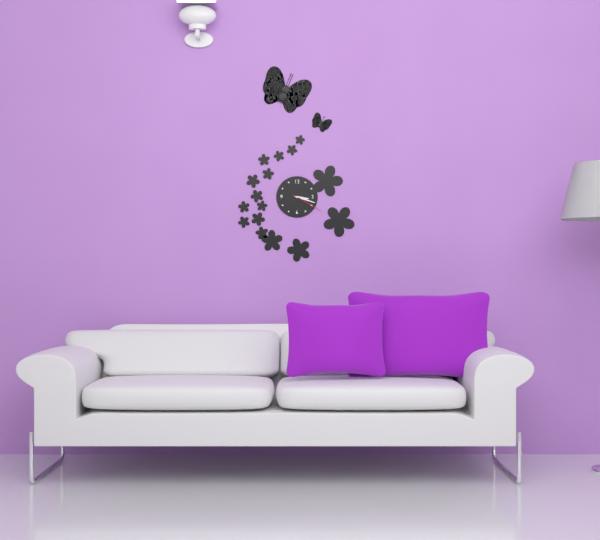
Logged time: 3:18
